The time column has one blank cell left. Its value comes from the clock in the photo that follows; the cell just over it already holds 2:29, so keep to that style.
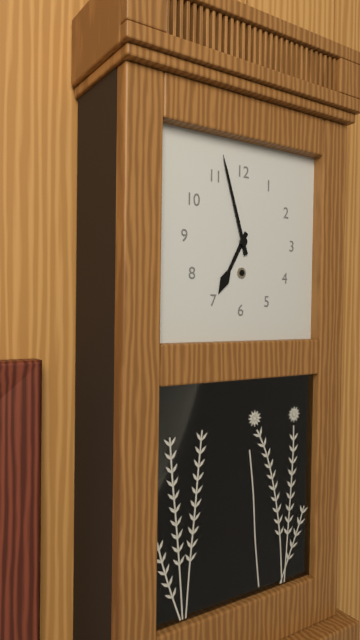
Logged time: 6:57
